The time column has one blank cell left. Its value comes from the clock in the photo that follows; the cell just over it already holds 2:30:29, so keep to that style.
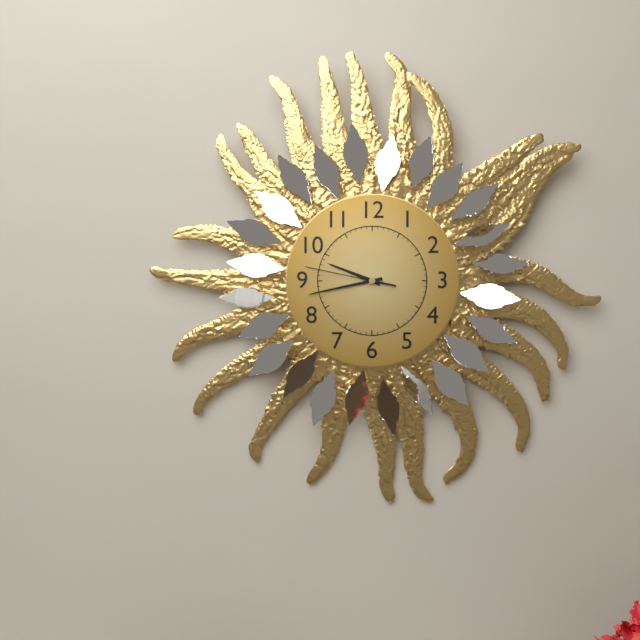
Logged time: 9:43:47
